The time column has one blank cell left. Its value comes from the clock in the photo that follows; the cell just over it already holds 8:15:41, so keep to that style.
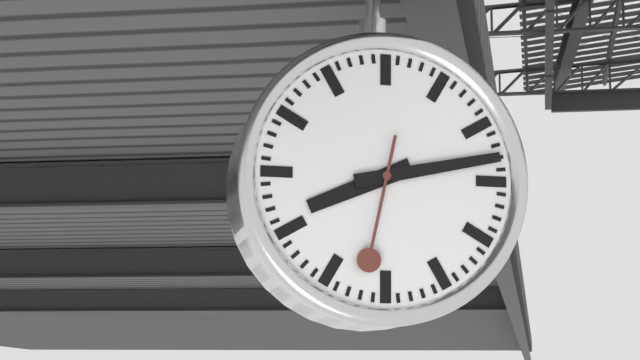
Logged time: 8:13:32
